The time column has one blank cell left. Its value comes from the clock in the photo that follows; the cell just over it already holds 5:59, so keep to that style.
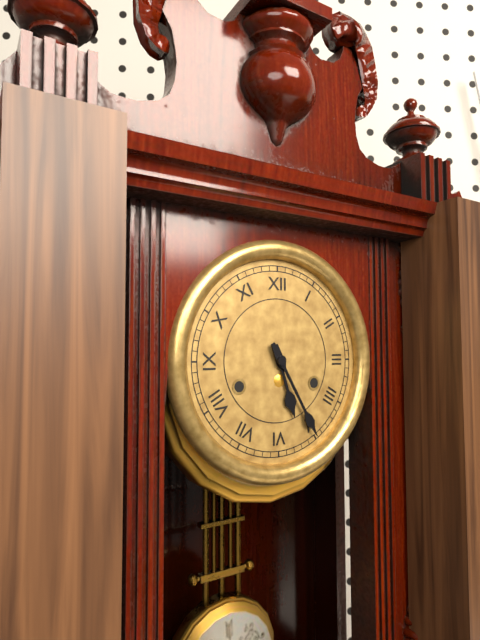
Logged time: 5:25
